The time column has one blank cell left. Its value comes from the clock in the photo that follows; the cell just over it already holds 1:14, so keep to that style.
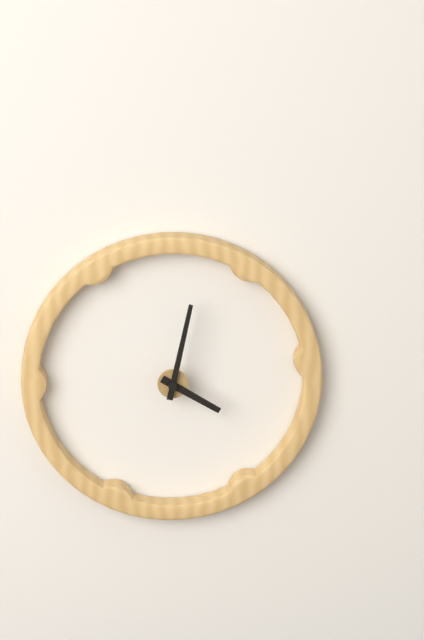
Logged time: 4:02
